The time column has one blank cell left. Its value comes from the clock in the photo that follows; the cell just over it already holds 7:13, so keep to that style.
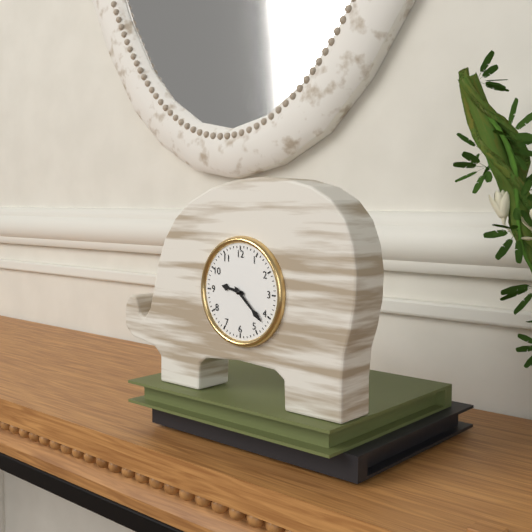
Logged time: 9:22
